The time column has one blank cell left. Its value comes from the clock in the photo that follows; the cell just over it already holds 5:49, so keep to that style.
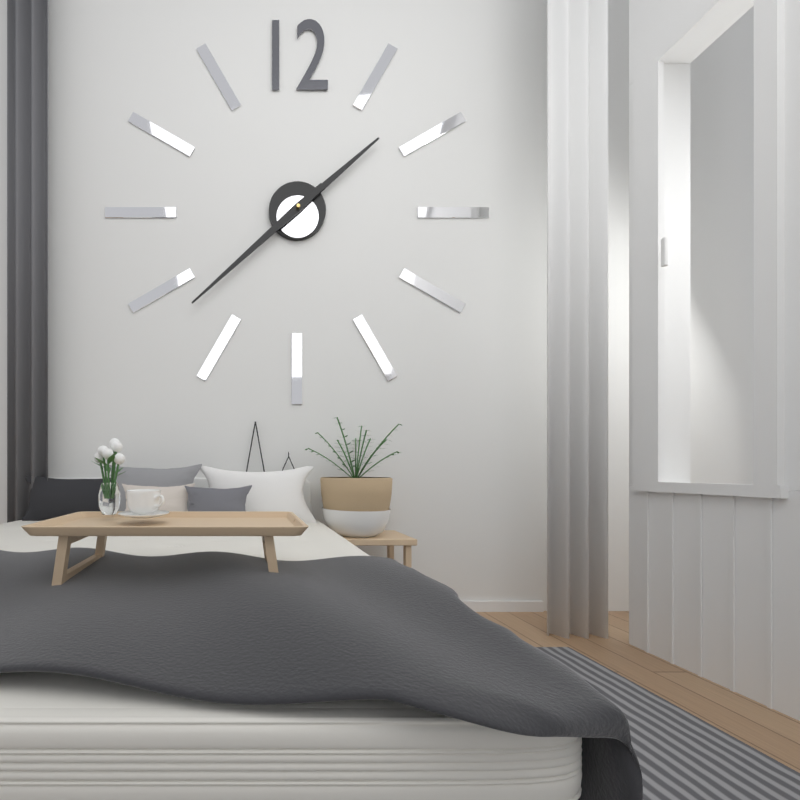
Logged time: 1:38
